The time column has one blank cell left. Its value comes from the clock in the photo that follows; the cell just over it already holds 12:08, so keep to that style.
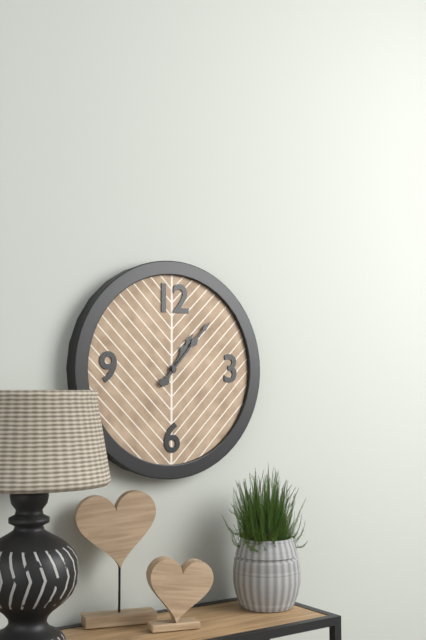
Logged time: 1:07
